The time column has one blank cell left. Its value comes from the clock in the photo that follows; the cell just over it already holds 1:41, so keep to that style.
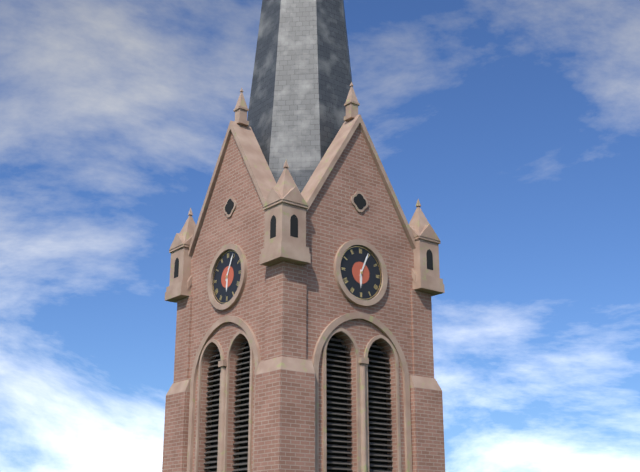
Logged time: 6:04
